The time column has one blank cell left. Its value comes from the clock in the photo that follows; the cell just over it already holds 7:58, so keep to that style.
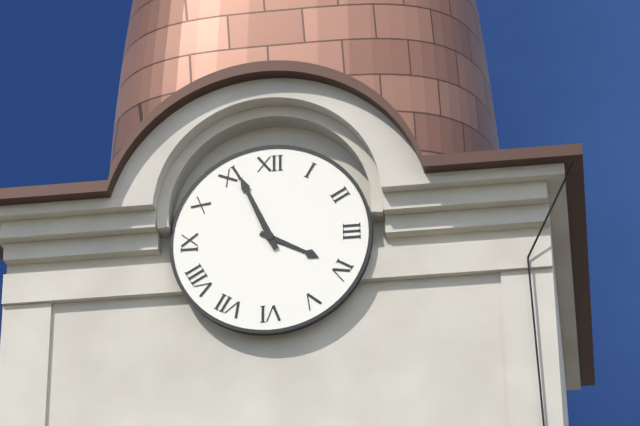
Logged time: 3:56
